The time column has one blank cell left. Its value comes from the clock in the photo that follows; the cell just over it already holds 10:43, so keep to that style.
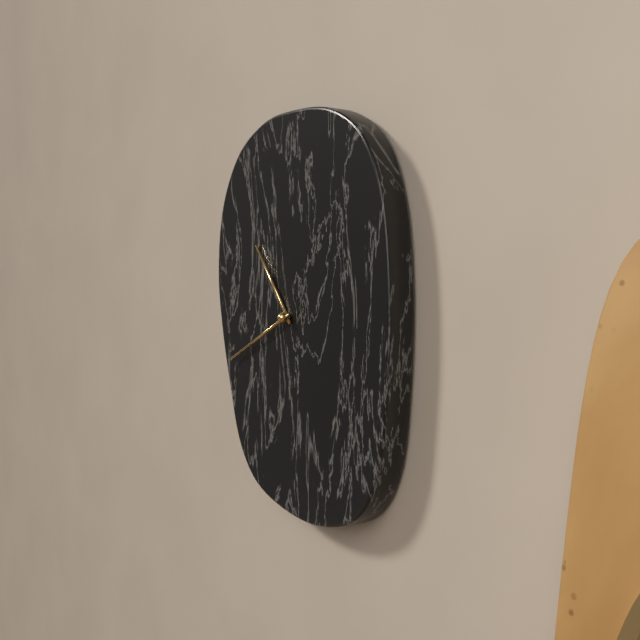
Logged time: 10:41
